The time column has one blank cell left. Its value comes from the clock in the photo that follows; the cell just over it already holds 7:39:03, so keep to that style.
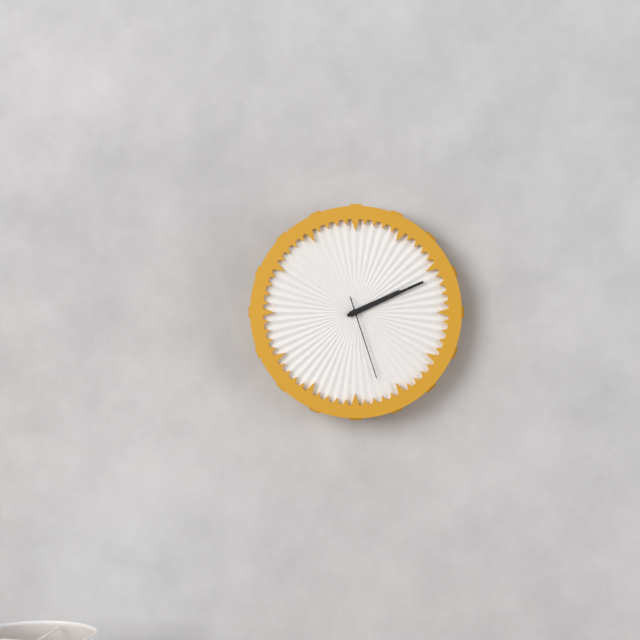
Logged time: 2:11:27
